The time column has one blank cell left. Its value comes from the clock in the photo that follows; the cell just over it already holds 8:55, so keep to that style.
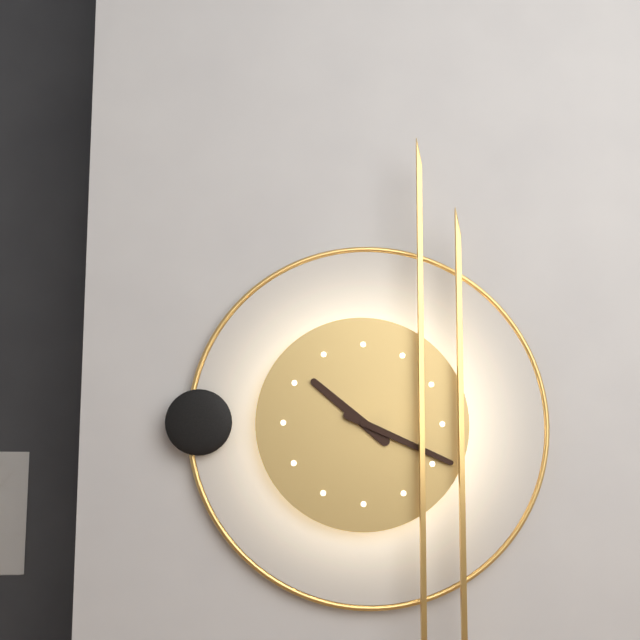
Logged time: 10:19
